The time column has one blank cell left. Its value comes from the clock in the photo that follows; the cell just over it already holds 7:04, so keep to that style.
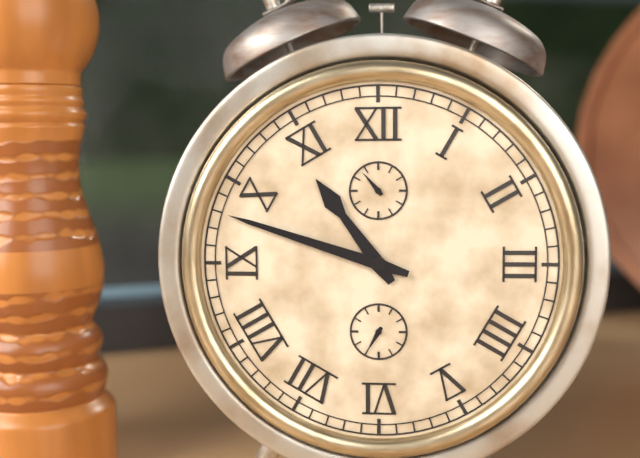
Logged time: 10:48
